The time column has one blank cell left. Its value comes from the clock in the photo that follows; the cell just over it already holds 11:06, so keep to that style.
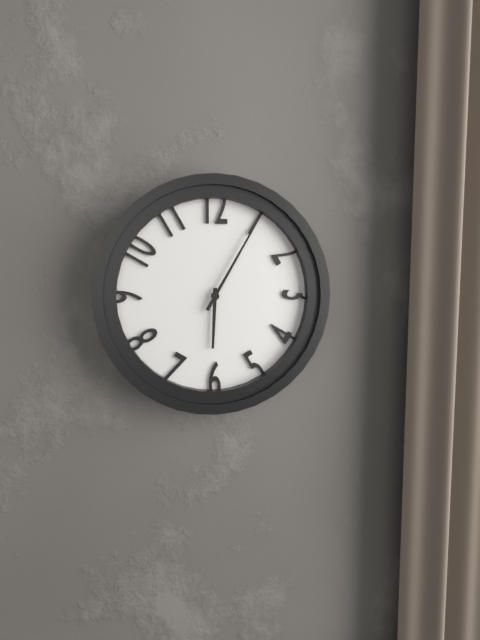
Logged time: 6:05
